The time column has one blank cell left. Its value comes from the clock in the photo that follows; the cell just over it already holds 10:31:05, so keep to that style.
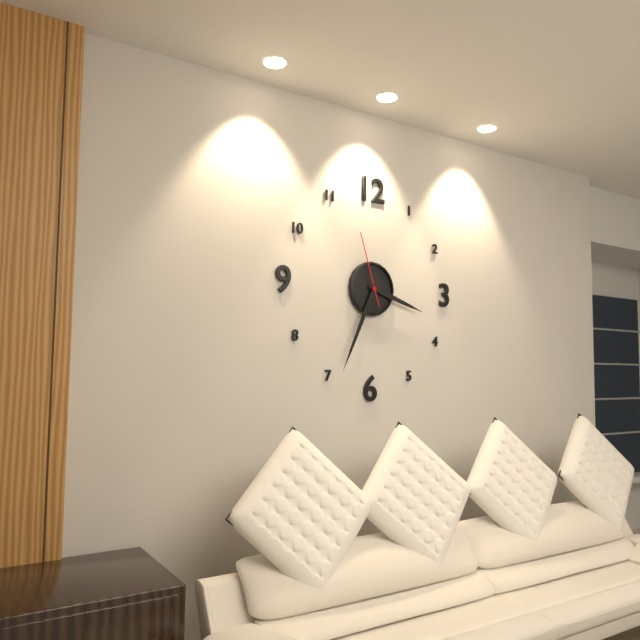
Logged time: 3:34:57
